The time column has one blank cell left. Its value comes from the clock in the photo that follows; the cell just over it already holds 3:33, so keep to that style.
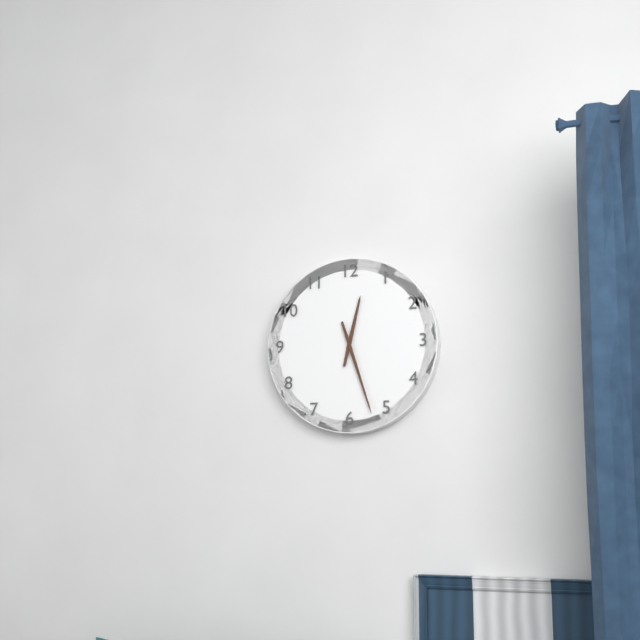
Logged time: 12:27
